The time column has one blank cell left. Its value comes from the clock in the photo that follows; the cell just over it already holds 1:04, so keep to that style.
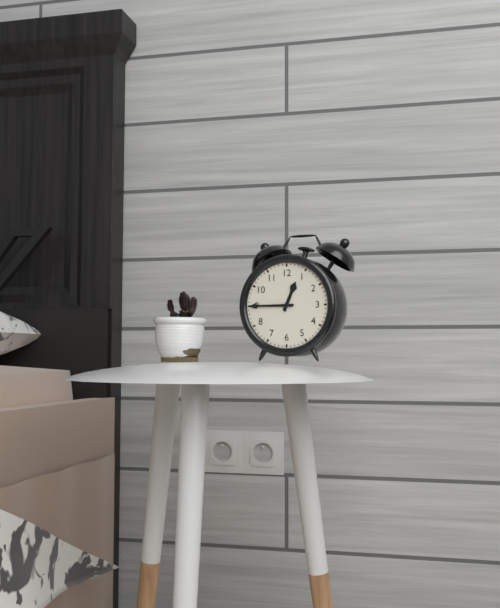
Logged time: 12:45
